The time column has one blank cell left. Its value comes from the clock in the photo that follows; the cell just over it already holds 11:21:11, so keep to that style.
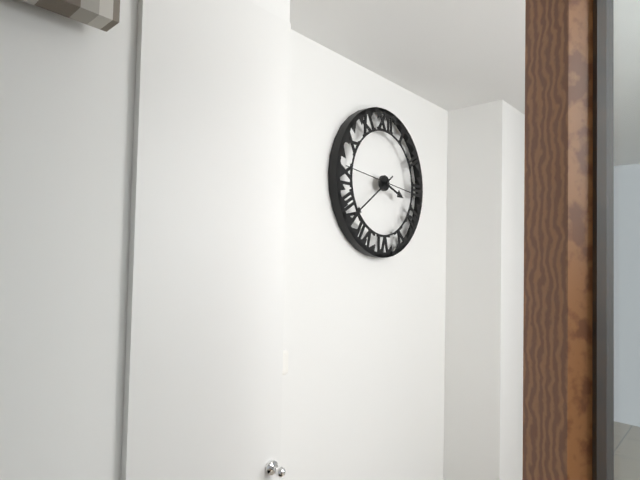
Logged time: 3:39:46
